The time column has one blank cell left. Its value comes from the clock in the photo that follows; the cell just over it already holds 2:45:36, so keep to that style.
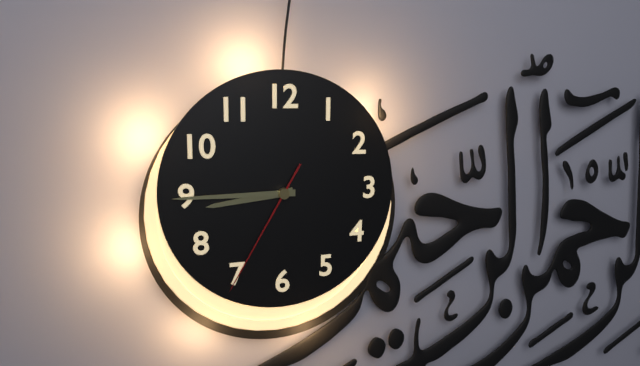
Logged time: 8:45:35
